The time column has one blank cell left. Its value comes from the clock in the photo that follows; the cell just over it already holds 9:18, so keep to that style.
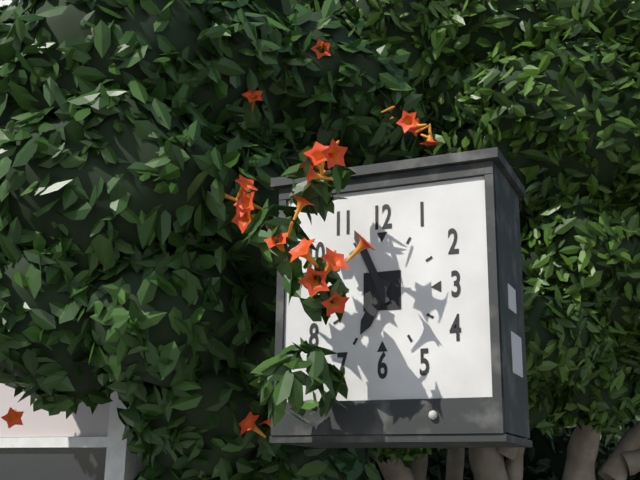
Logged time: 6:56
